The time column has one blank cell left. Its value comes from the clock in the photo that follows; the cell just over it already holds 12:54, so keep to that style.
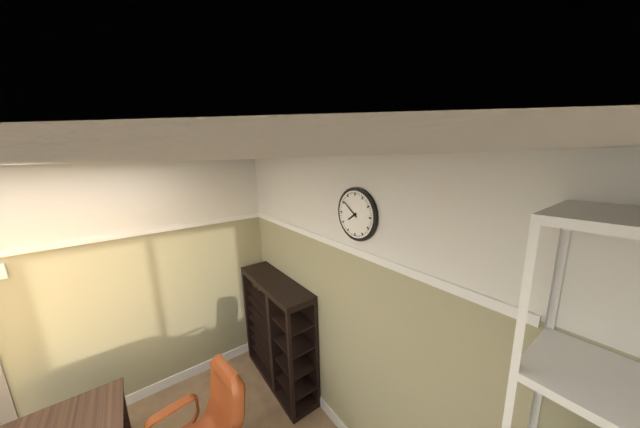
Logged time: 7:51
